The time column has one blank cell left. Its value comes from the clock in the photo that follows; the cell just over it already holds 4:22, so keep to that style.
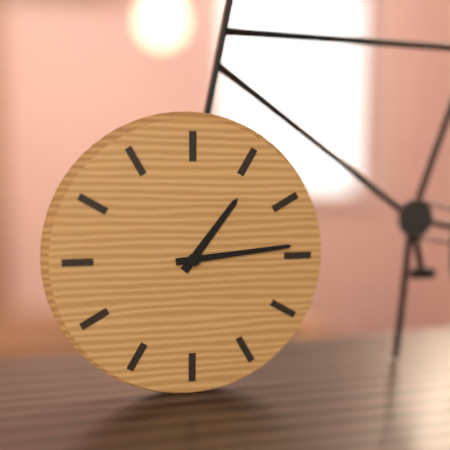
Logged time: 1:14
